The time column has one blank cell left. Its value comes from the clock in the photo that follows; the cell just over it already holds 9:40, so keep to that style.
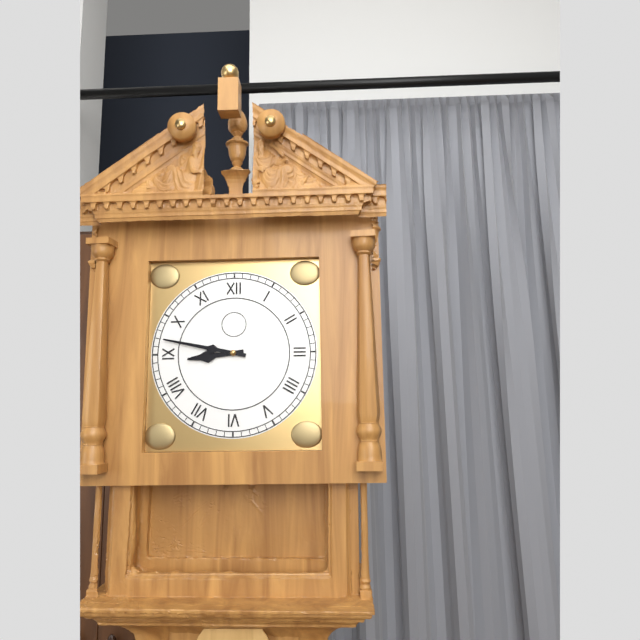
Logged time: 8:47
